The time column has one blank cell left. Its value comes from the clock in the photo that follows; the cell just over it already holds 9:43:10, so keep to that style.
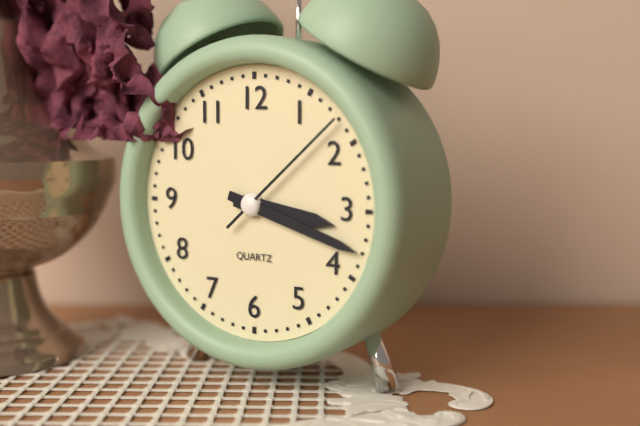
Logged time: 3:18:08
